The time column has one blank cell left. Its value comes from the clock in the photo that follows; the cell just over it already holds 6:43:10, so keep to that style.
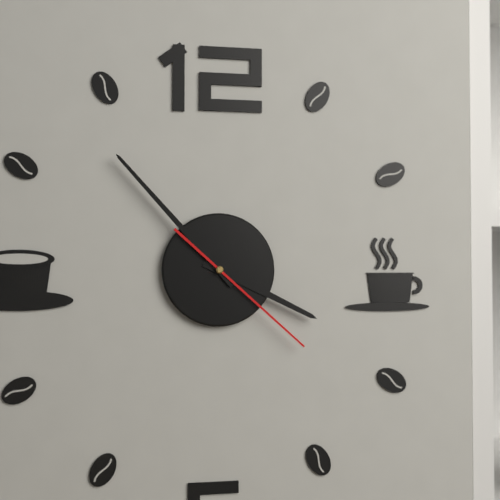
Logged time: 3:53:22
